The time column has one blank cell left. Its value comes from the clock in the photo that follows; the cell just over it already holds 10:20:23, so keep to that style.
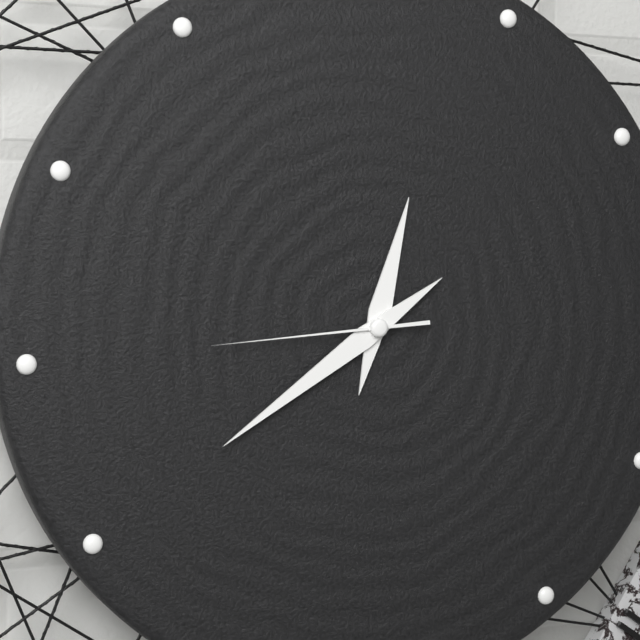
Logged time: 12:40:45
